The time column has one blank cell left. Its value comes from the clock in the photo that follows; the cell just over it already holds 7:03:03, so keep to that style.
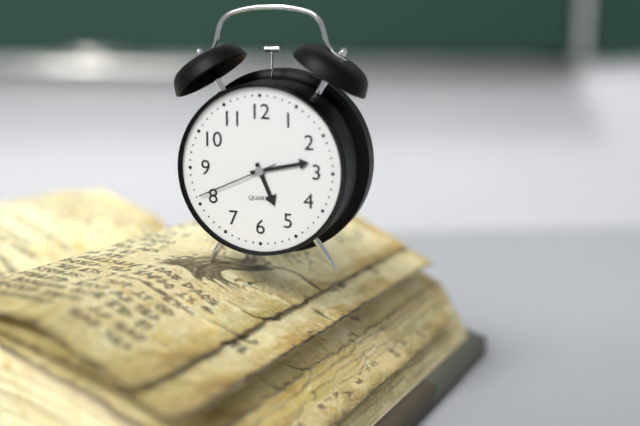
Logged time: 5:13:41
